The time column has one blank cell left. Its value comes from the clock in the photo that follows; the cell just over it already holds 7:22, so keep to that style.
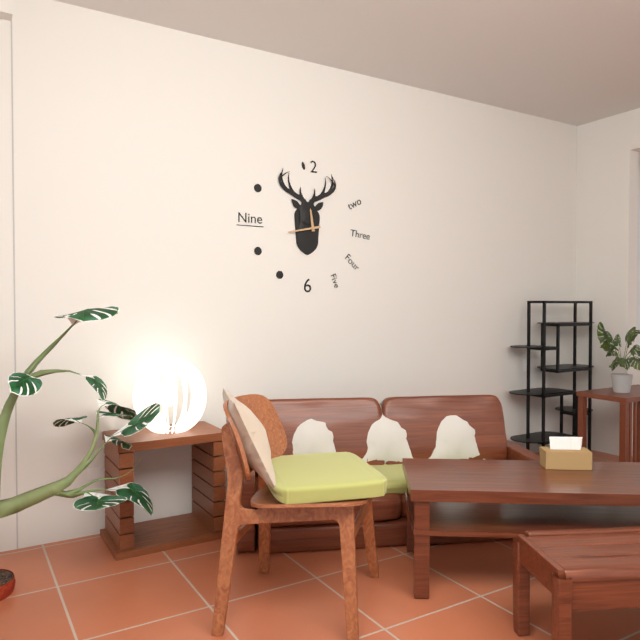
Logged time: 11:43
